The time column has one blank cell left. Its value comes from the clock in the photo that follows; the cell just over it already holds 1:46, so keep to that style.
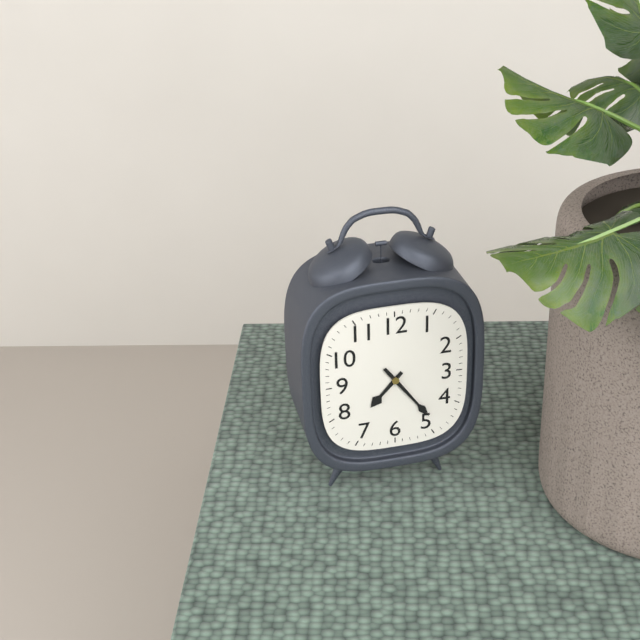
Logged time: 7:24
